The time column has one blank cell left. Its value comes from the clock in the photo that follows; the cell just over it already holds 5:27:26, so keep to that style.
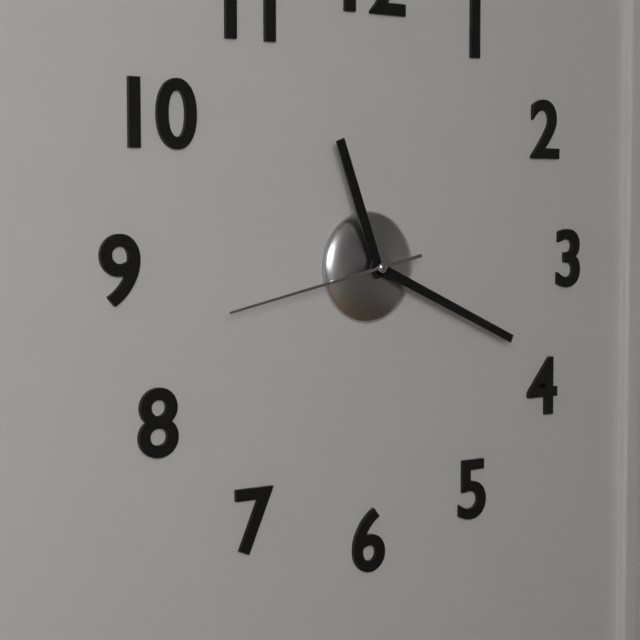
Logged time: 11:19:43
